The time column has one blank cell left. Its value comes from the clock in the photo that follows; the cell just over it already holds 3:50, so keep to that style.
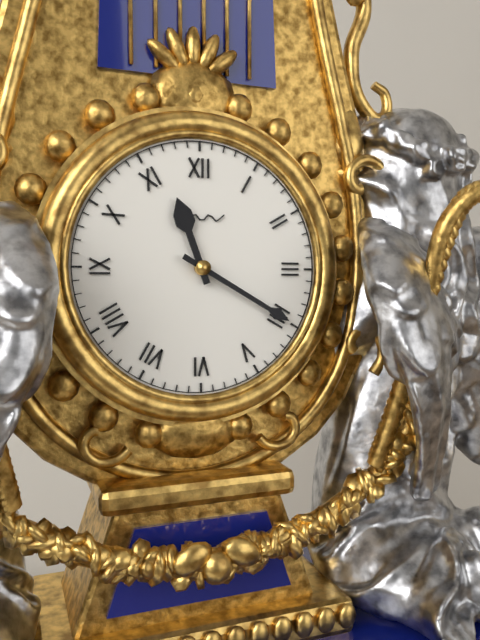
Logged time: 11:20
